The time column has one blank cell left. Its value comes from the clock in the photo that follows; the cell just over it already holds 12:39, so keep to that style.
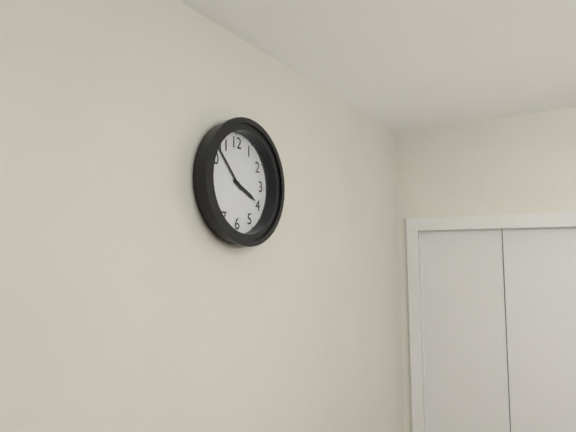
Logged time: 3:53
